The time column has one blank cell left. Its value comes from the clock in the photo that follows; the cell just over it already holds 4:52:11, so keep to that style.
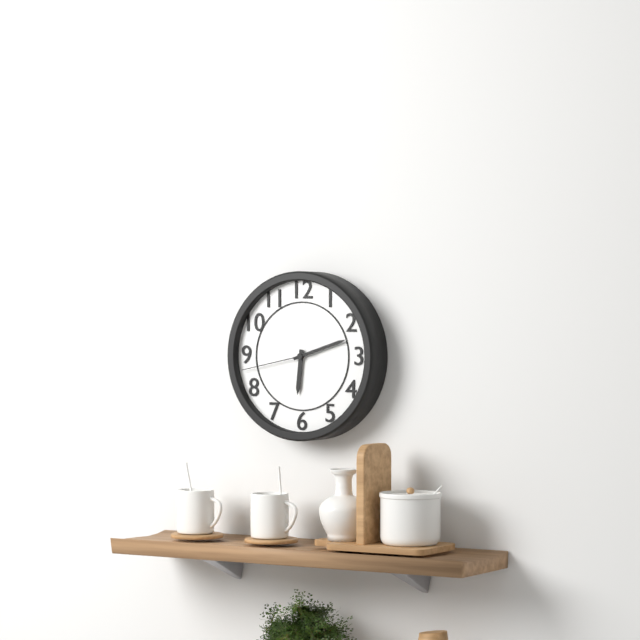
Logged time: 6:12:43
